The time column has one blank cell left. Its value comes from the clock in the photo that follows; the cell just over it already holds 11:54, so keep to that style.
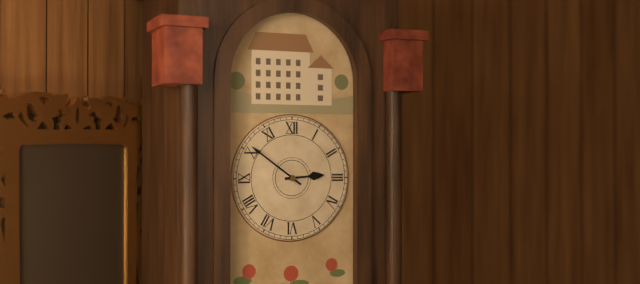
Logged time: 2:51
